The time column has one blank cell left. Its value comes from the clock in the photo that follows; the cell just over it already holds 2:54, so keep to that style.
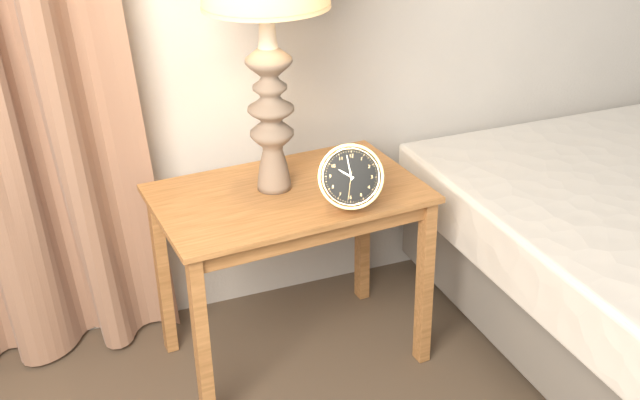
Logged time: 9:58
